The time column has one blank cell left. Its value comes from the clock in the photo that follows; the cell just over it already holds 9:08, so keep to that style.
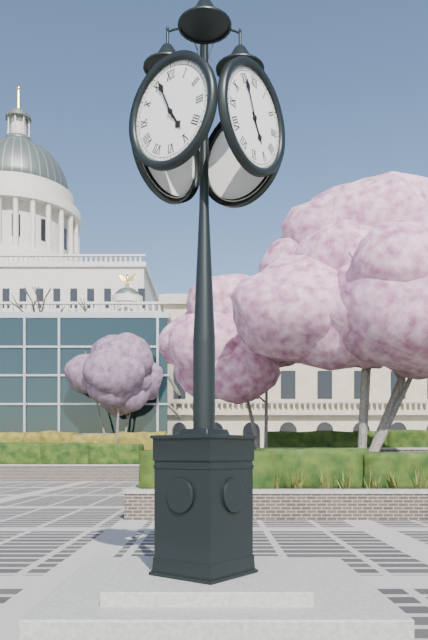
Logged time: 4:56
